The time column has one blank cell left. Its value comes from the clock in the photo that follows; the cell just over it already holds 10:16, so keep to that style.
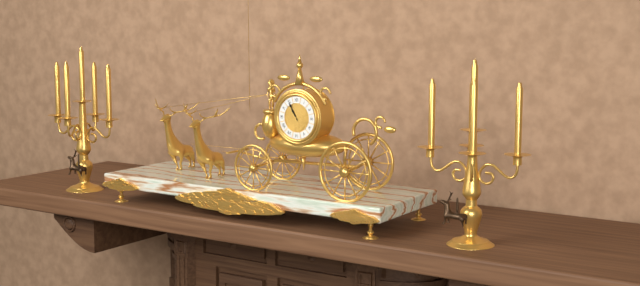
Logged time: 10:55
